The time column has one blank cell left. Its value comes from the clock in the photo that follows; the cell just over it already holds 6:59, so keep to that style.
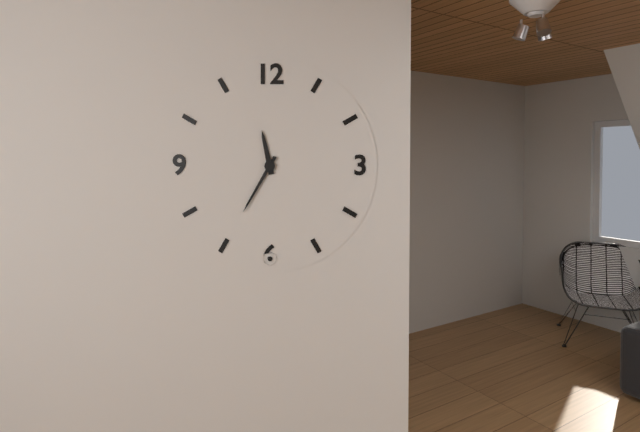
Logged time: 11:35
